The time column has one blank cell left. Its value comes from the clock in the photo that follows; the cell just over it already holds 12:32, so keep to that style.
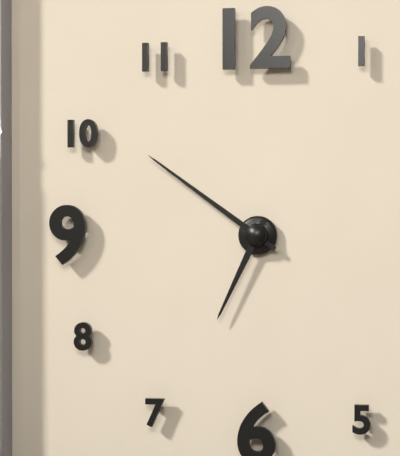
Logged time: 6:51
